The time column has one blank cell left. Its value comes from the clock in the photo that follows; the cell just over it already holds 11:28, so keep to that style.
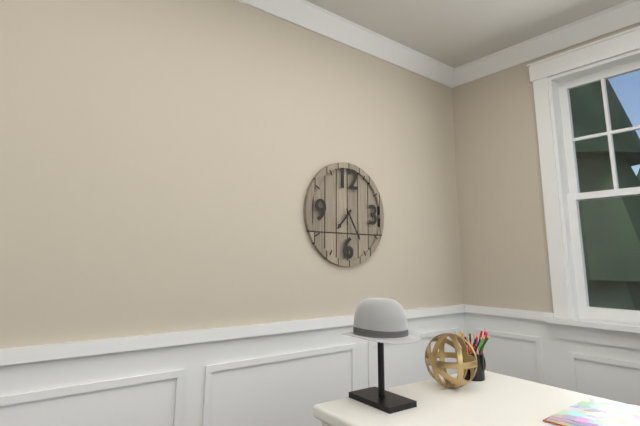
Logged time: 7:25
